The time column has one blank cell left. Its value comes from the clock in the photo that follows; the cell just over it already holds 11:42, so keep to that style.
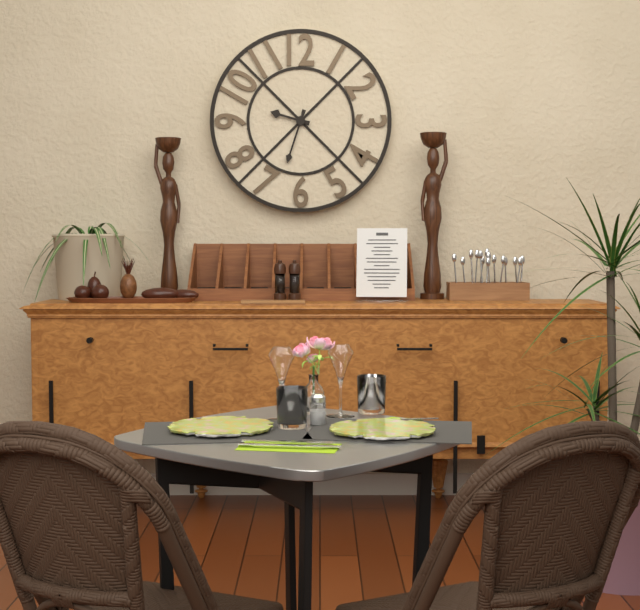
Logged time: 9:33
